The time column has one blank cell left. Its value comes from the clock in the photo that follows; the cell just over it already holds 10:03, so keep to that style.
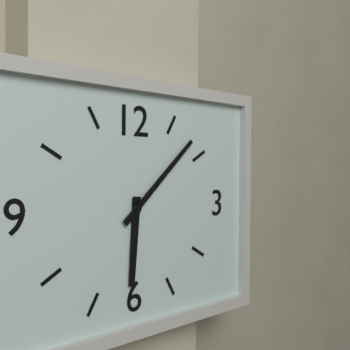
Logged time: 6:08
